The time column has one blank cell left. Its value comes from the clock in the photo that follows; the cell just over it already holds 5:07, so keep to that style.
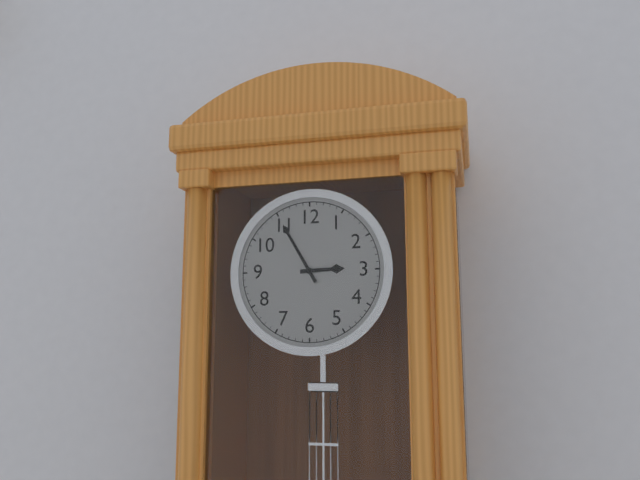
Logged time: 2:55
